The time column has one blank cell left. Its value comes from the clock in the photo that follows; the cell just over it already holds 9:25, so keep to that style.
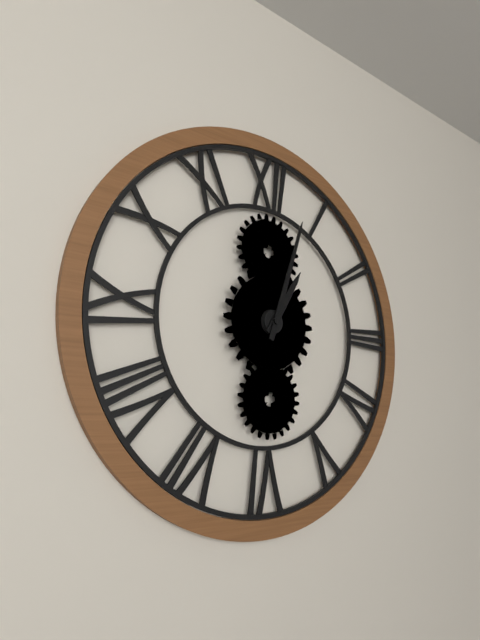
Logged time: 1:03
